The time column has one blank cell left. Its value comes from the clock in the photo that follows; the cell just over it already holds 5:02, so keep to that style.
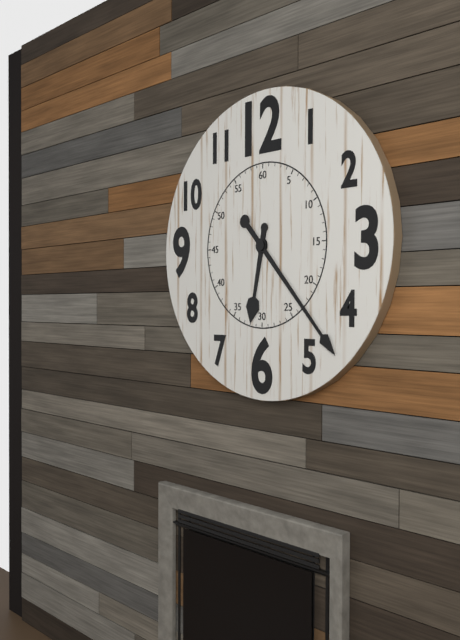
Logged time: 6:23
